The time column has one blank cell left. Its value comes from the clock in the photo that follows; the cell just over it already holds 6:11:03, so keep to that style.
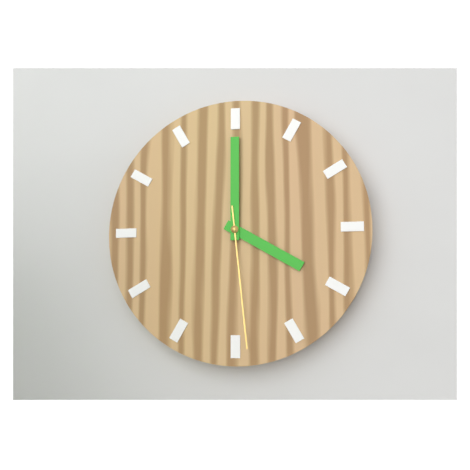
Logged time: 4:00:29
